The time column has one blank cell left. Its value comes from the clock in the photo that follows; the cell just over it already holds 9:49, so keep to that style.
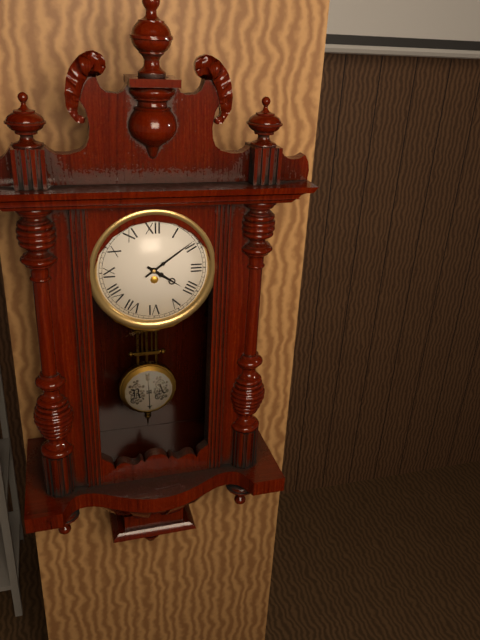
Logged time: 4:09
